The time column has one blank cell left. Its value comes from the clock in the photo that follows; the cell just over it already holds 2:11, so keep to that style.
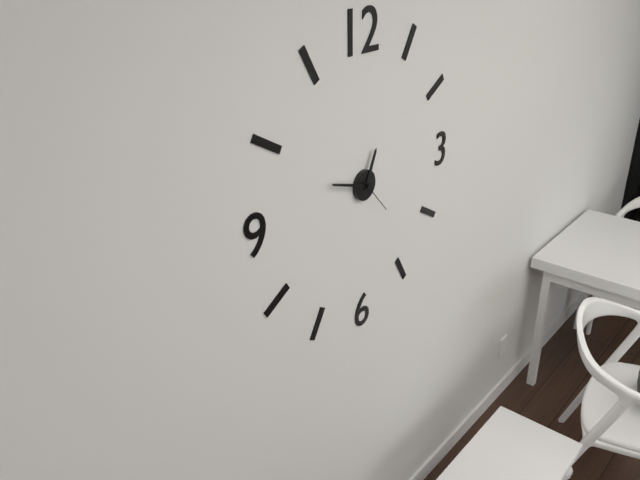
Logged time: 12:48
